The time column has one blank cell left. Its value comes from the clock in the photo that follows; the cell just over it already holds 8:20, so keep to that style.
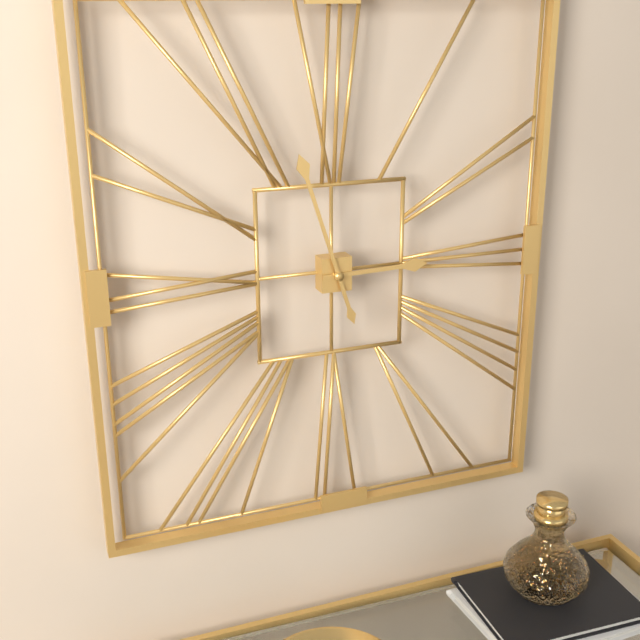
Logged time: 2:57
